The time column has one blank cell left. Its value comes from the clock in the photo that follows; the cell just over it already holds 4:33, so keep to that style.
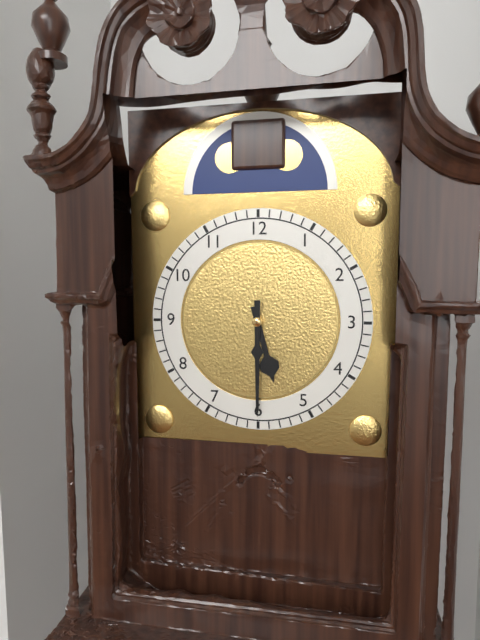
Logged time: 5:30
